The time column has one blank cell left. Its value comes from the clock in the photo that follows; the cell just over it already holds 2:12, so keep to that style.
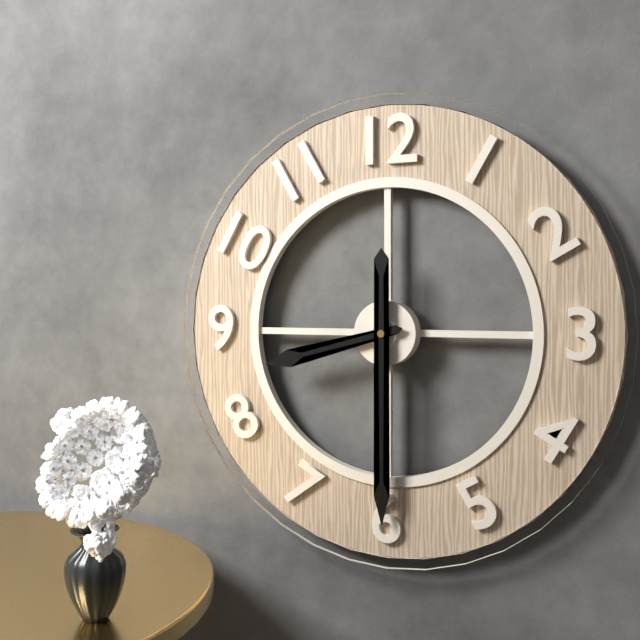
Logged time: 8:30
